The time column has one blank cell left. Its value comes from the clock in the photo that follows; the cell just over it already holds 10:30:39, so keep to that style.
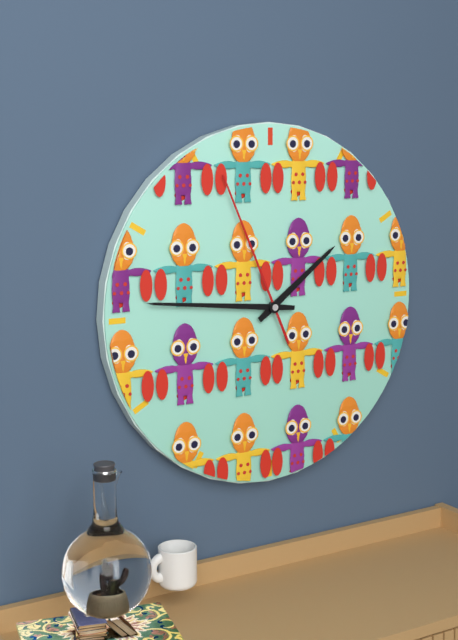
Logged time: 1:46:56
